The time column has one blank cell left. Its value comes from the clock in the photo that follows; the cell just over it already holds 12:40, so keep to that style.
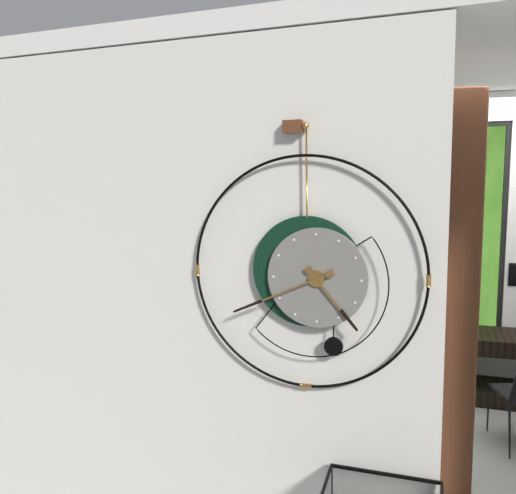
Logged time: 4:41
